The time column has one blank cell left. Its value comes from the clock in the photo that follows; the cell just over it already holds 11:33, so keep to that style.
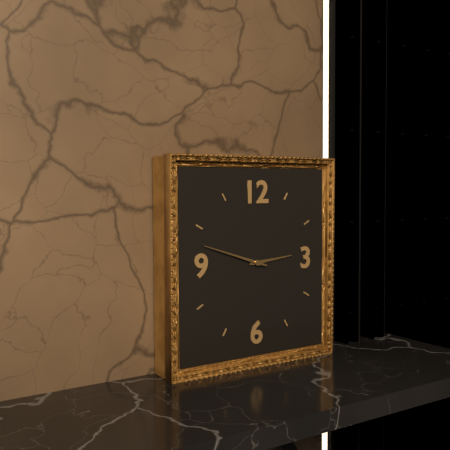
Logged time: 2:48
